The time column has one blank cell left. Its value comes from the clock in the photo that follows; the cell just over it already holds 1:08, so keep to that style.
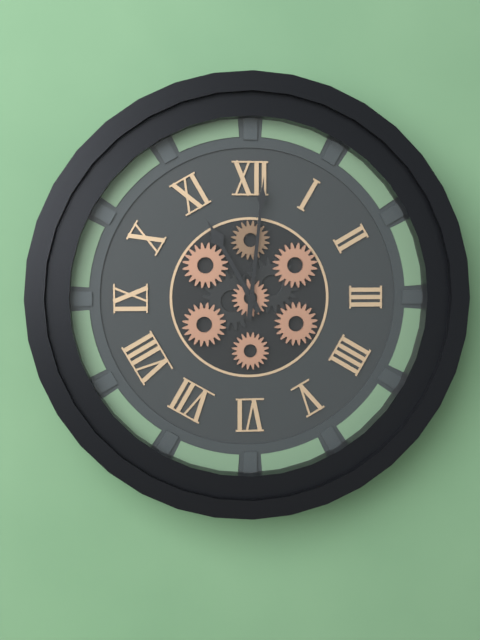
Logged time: 11:01
